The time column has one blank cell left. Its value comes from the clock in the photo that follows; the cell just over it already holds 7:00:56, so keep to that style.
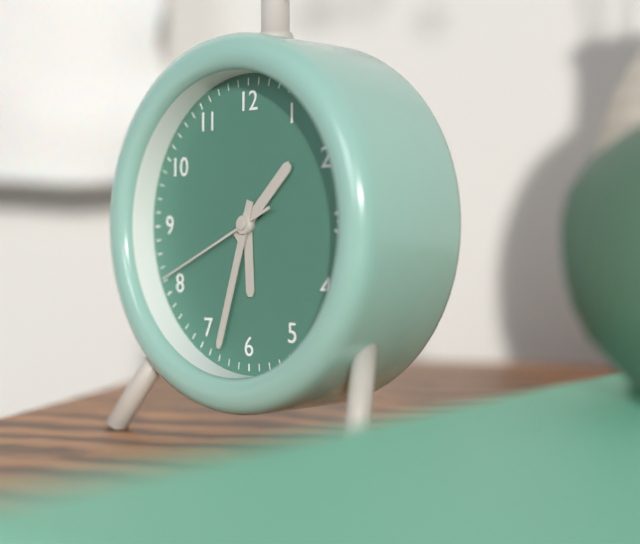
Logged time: 1:33:41
